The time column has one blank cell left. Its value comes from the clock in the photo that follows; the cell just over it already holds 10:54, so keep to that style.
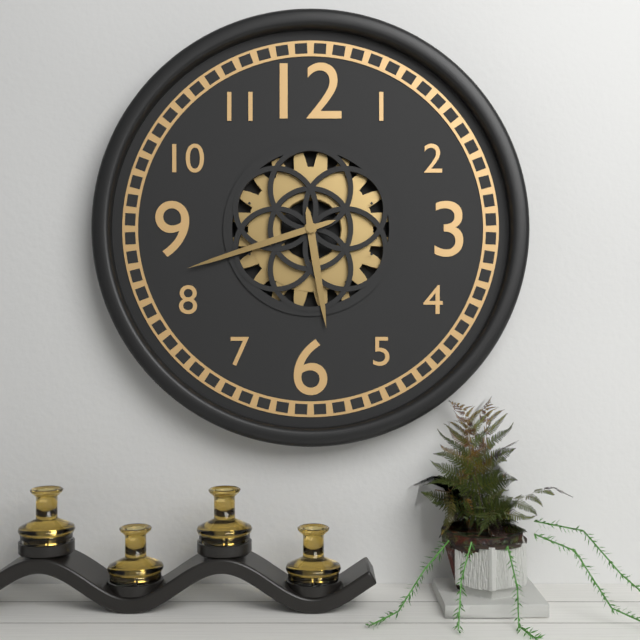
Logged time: 5:42
